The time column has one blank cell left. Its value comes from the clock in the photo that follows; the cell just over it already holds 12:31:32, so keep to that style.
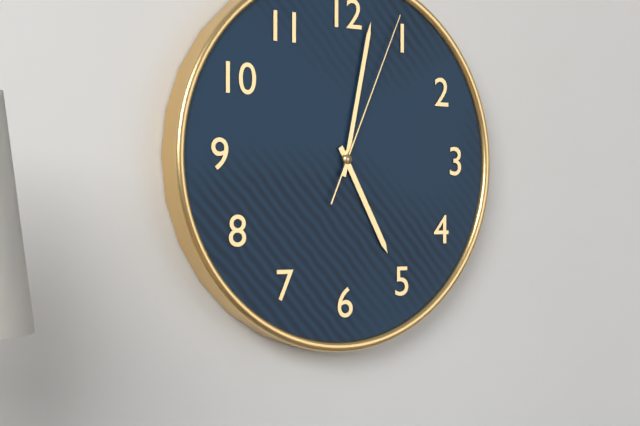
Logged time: 5:02:04
